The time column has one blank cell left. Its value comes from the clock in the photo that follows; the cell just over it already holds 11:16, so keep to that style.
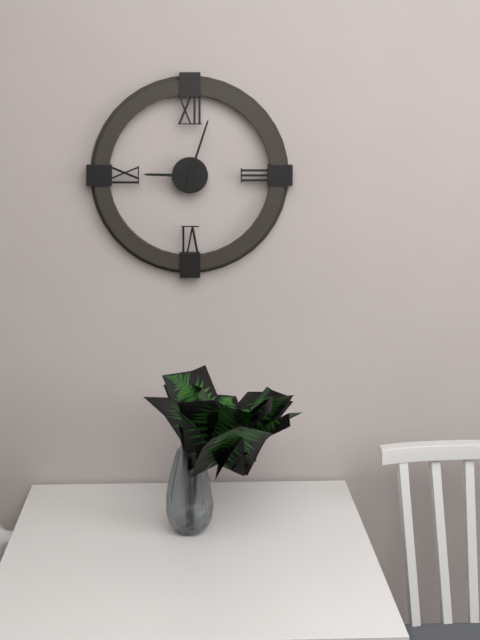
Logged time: 9:03
